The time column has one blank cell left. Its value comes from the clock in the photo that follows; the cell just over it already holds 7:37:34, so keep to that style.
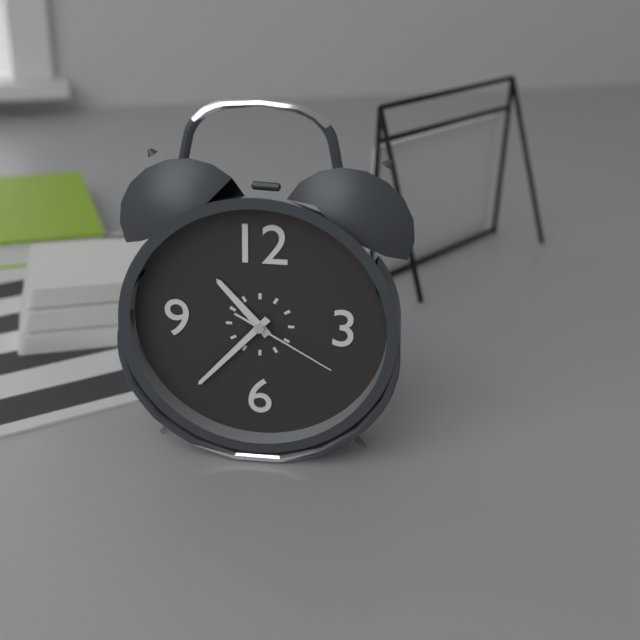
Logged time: 10:37:20
